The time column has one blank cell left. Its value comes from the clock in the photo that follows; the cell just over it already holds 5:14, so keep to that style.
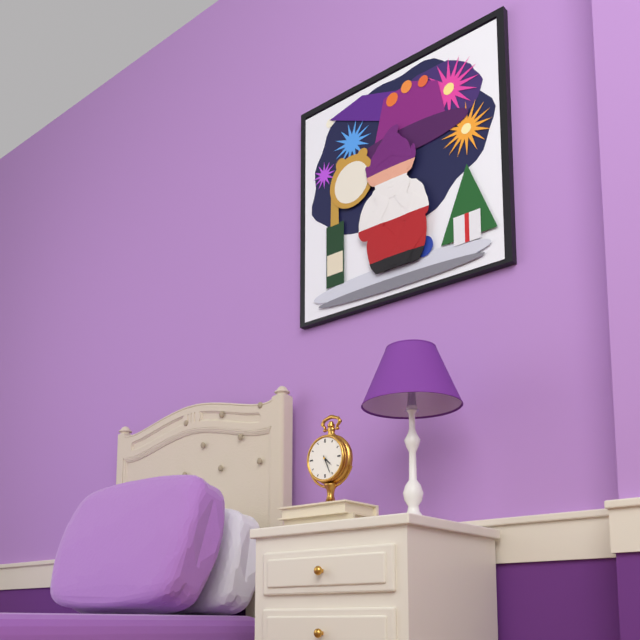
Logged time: 4:26
